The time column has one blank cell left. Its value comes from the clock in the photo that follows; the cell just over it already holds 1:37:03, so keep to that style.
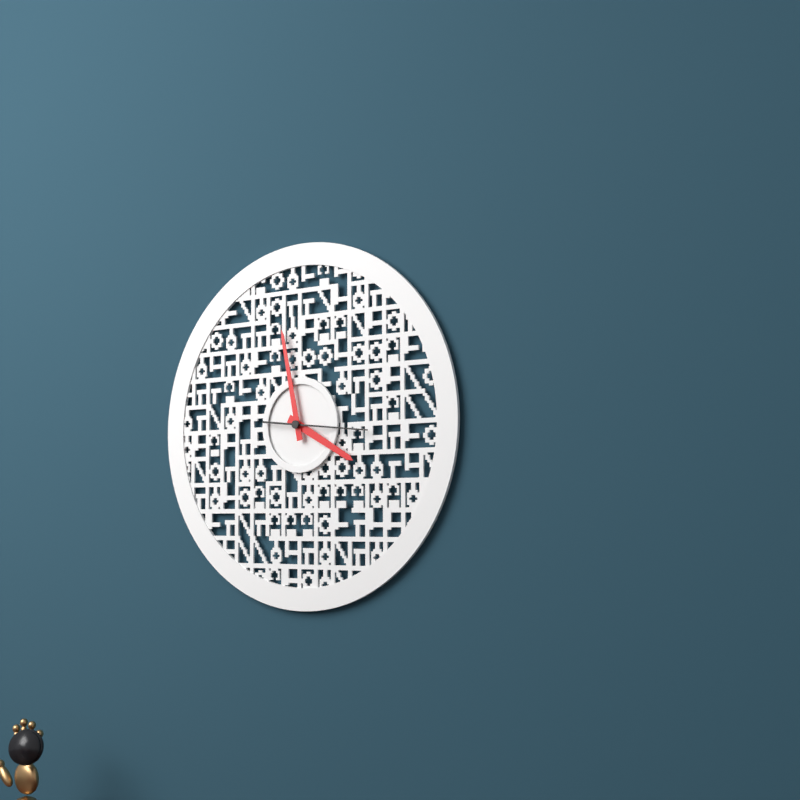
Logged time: 3:58:16
